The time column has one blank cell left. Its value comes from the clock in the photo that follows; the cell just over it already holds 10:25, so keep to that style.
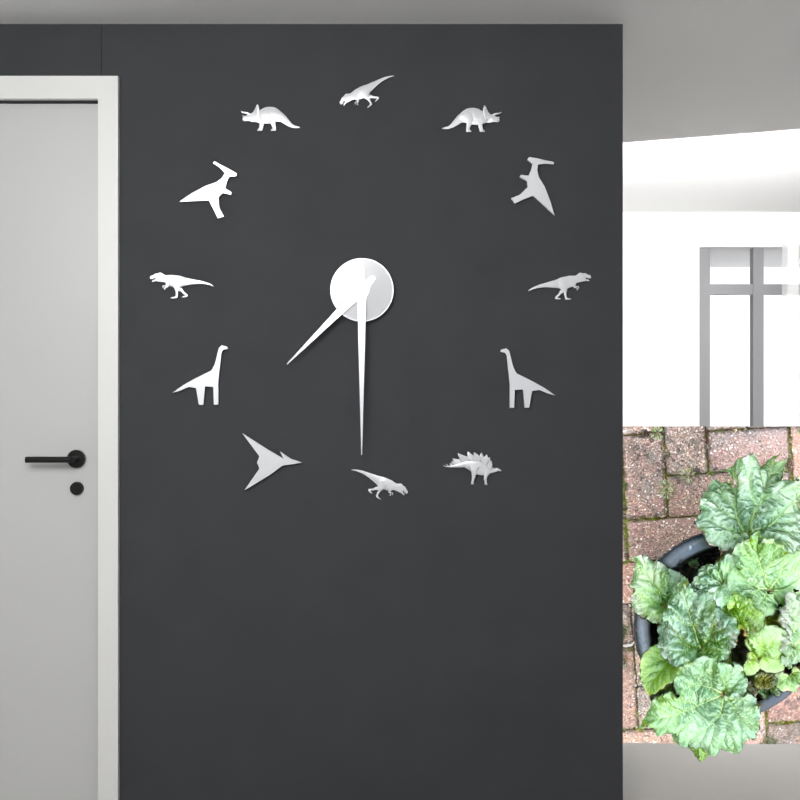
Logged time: 7:30
